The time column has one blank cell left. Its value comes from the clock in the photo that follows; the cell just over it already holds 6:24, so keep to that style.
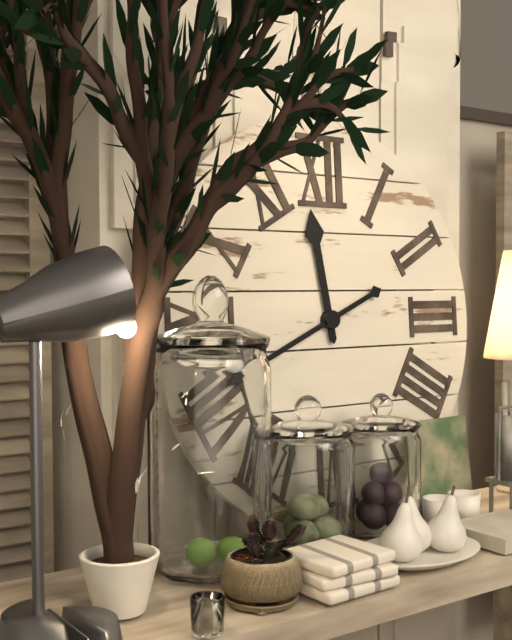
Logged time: 11:41
